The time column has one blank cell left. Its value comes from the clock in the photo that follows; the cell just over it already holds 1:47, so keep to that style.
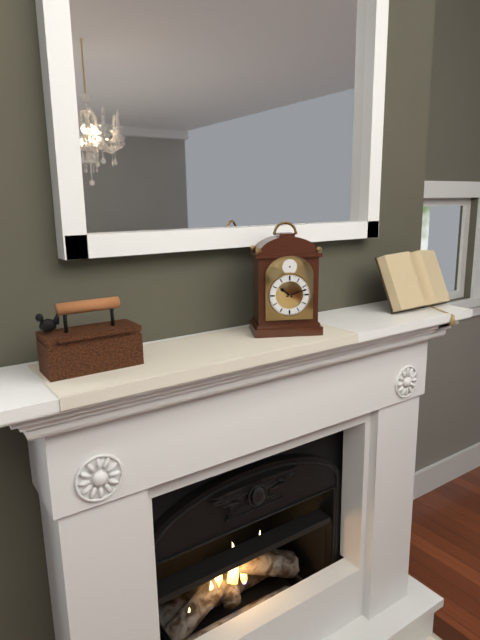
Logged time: 10:12
